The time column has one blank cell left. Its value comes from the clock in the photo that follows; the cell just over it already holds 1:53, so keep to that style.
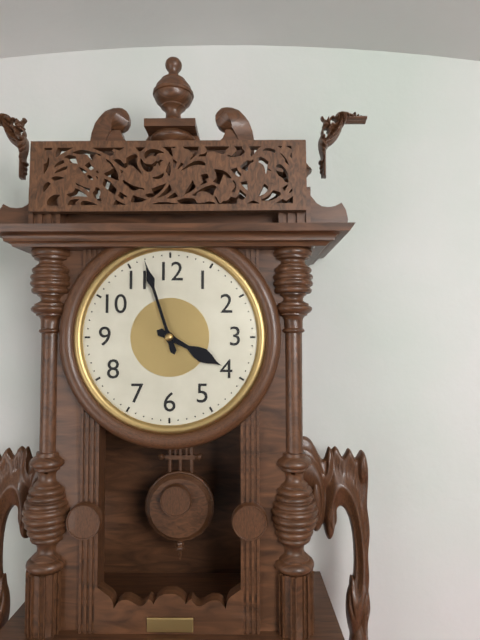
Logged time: 3:57
